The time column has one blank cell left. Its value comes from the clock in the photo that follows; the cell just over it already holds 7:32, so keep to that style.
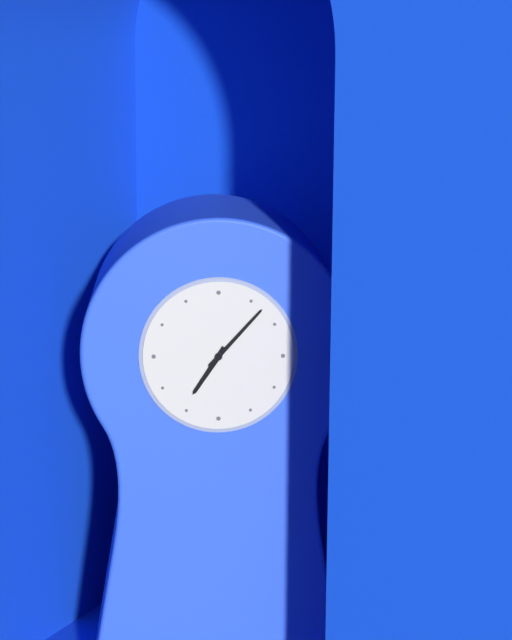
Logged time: 7:07
